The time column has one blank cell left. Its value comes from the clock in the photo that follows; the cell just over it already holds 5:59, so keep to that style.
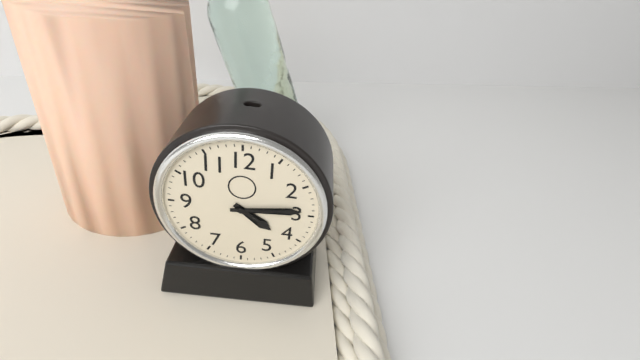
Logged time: 4:14
